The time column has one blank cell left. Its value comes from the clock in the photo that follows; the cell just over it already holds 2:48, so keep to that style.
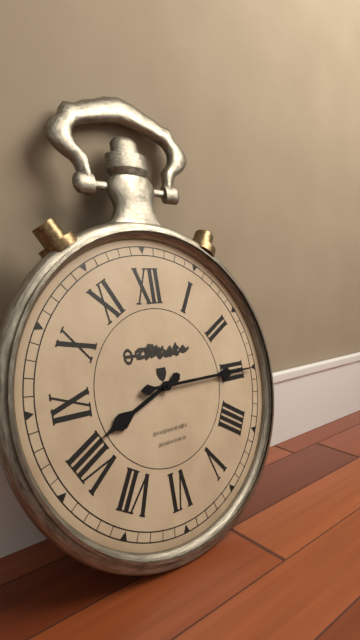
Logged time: 8:15
